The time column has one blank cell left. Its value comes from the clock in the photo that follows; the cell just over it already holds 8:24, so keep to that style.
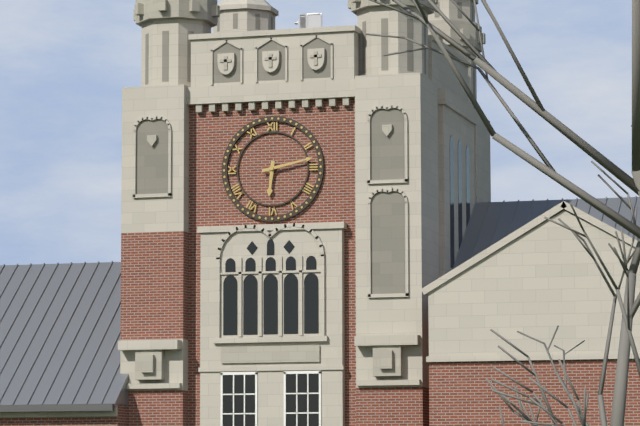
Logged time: 6:13
